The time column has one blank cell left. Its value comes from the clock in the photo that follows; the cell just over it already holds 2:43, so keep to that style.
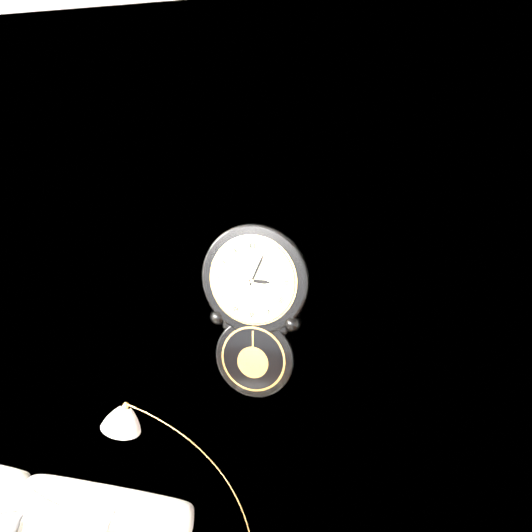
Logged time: 3:04
